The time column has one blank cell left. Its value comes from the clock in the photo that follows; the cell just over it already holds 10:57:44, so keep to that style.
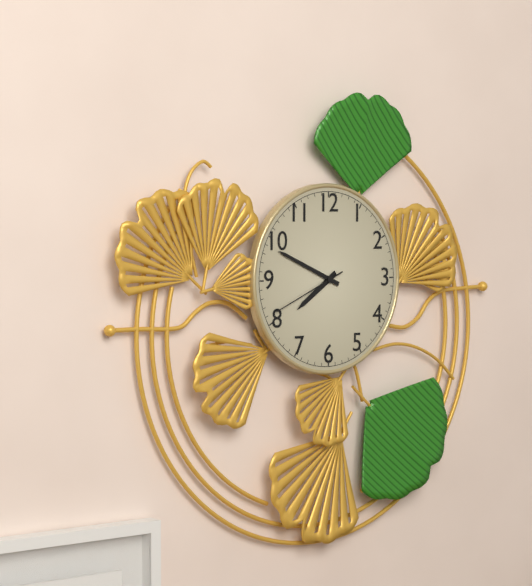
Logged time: 7:49:41
